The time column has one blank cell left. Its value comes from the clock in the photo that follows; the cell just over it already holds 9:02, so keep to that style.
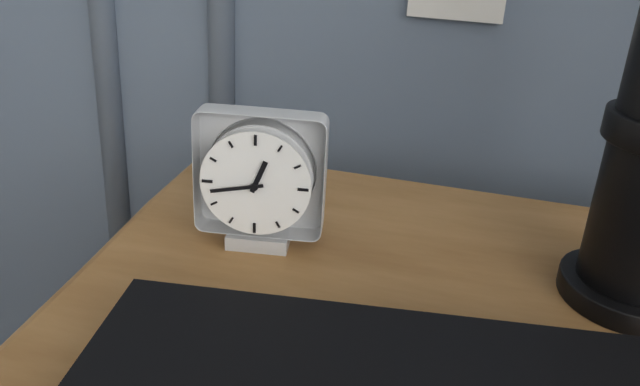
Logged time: 12:43
